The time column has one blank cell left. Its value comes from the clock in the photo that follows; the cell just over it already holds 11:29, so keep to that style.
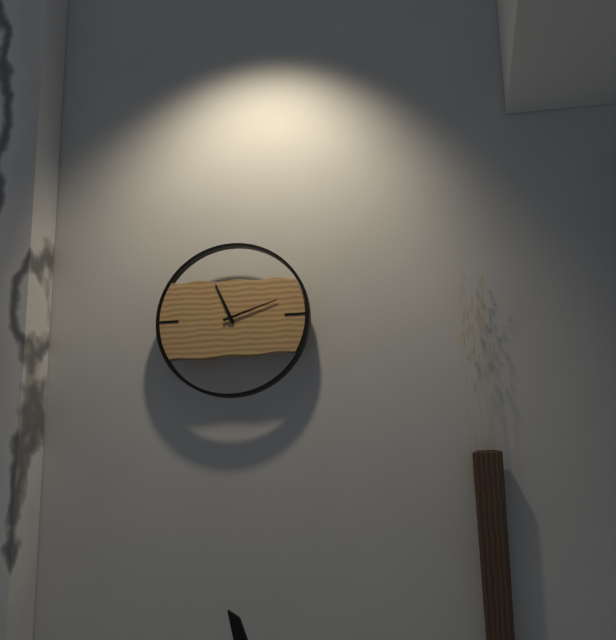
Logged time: 11:12
